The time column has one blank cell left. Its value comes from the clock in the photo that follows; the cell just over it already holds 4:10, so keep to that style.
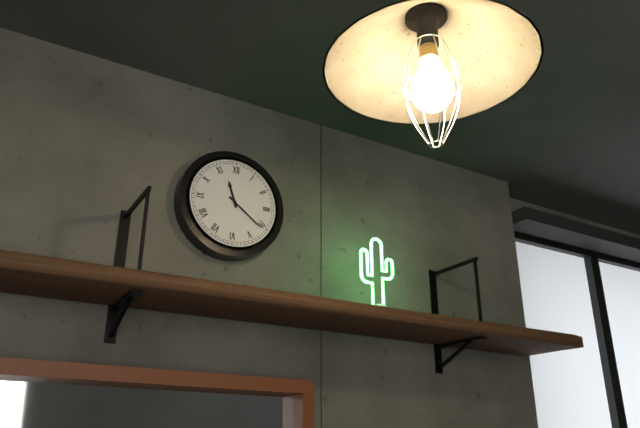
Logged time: 11:21
